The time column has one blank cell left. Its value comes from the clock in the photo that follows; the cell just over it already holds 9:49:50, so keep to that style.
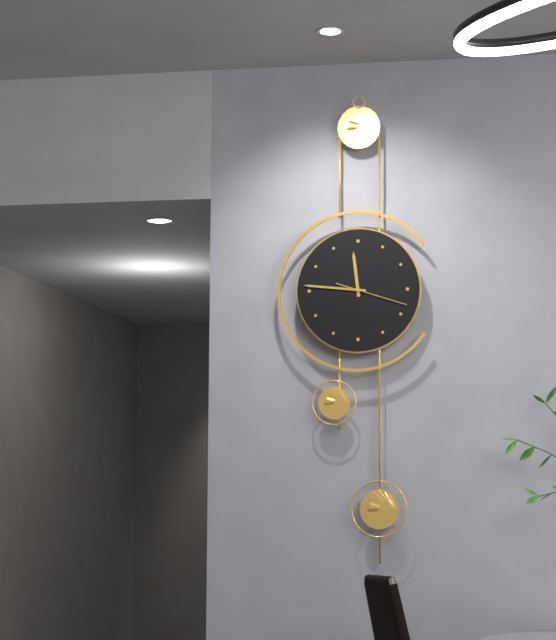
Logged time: 11:46:18
